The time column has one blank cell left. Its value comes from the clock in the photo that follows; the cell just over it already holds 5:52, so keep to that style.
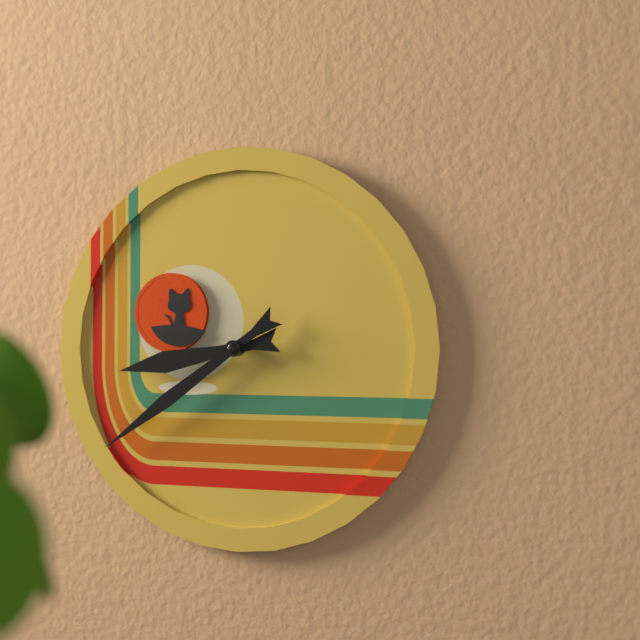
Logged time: 8:39
